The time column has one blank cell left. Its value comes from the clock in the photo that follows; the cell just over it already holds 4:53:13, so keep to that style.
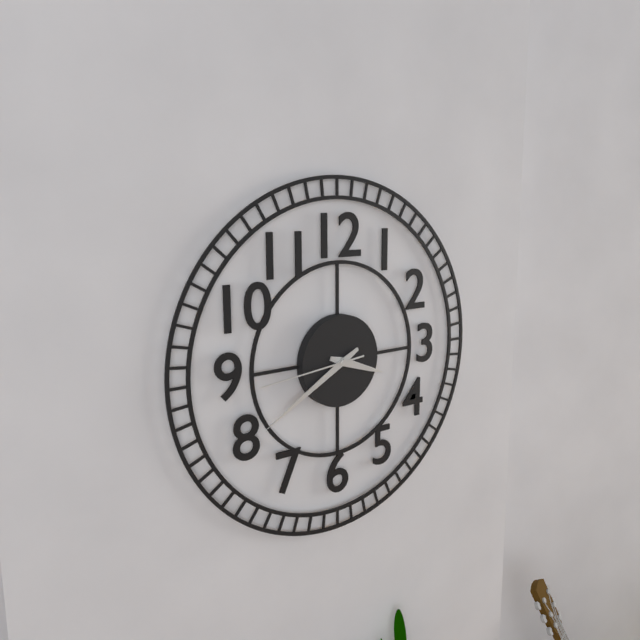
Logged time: 3:40:44
